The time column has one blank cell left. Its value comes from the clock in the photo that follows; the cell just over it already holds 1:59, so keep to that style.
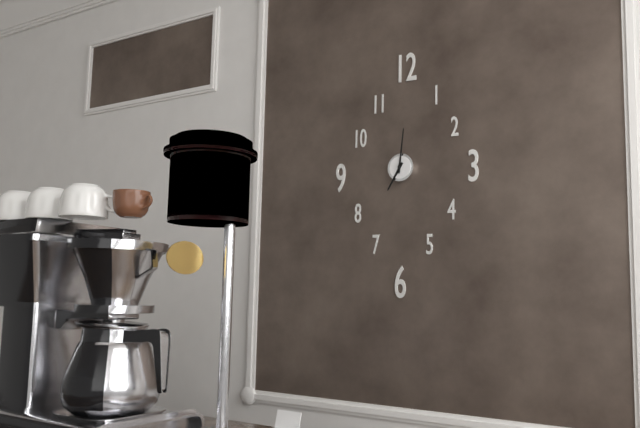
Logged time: 7:01
